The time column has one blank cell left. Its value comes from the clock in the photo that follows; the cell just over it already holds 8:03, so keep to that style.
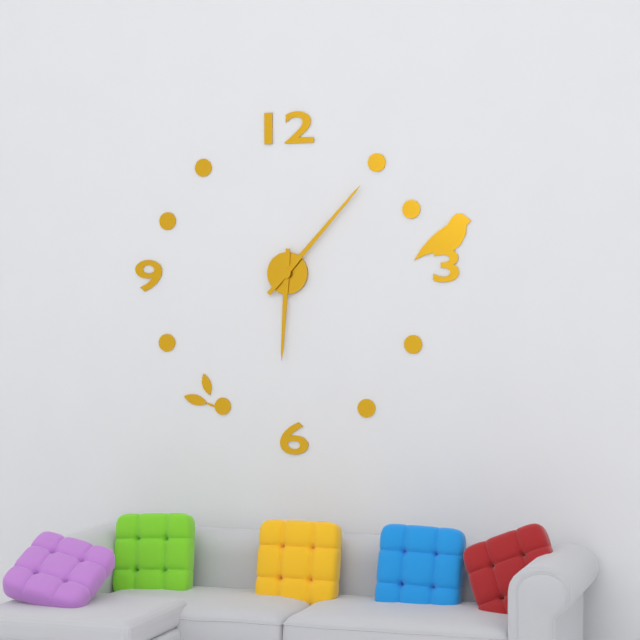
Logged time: 6:07
